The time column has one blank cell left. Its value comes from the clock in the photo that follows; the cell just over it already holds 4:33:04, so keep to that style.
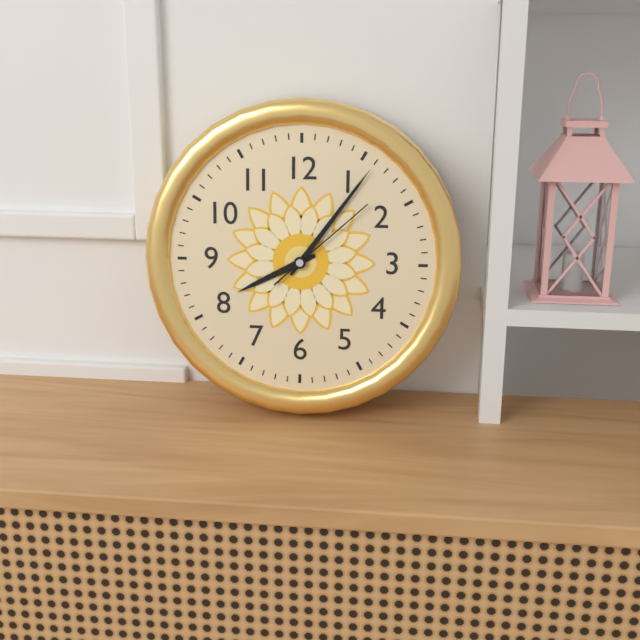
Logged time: 8:06:08
